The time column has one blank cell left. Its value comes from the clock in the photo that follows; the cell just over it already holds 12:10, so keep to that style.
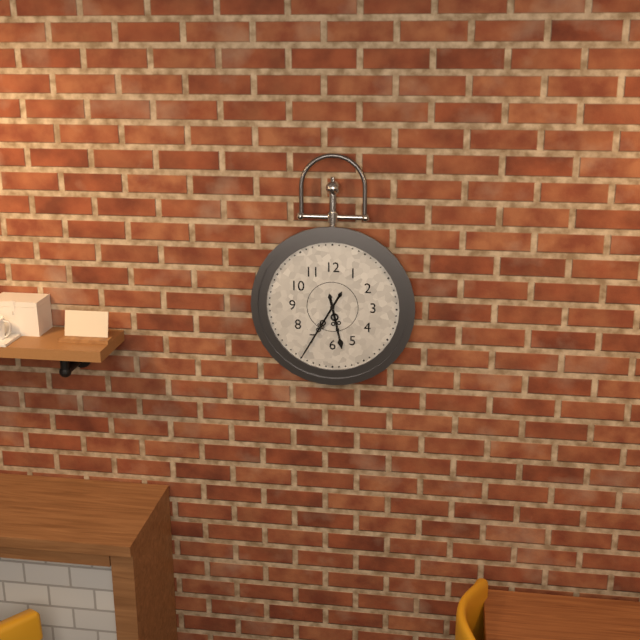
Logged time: 5:35
